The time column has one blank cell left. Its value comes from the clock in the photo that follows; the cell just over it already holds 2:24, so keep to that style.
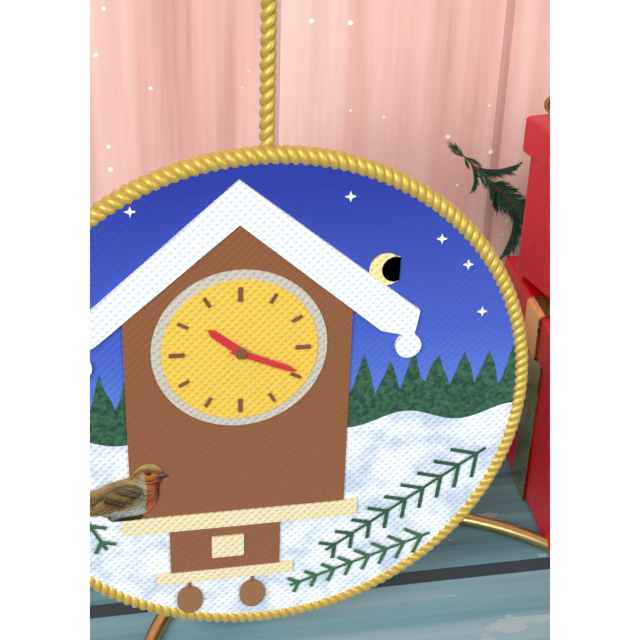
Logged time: 10:19
